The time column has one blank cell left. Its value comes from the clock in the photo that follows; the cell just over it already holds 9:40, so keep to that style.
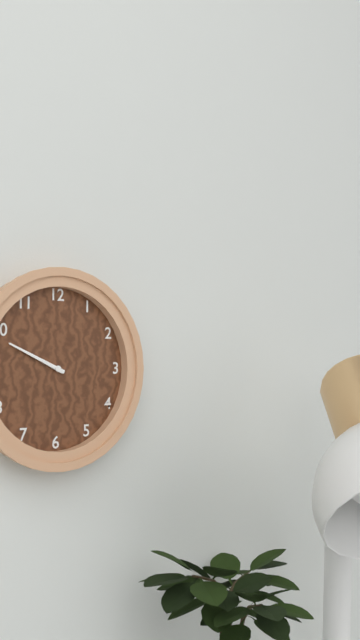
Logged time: 9:49
